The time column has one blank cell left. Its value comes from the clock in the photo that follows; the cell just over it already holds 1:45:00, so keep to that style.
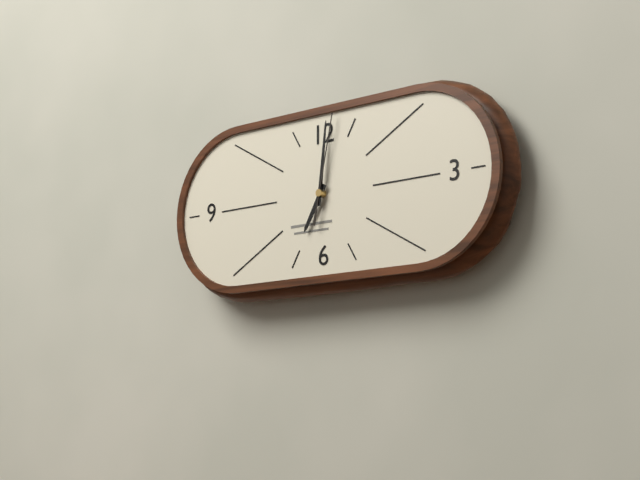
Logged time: 7:01:02
